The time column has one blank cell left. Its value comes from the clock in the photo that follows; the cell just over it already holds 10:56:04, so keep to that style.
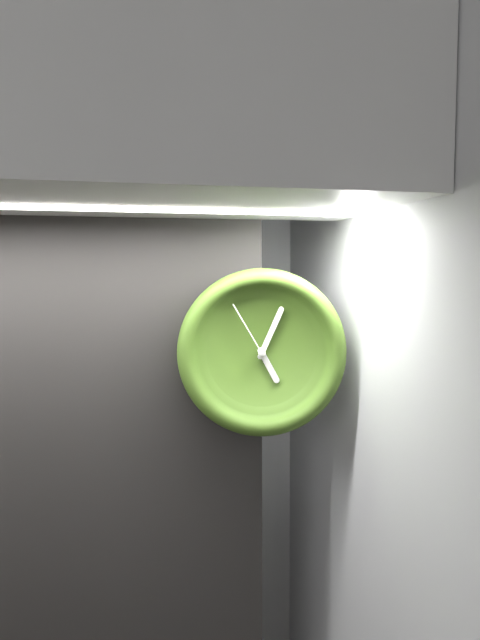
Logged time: 5:04:55
